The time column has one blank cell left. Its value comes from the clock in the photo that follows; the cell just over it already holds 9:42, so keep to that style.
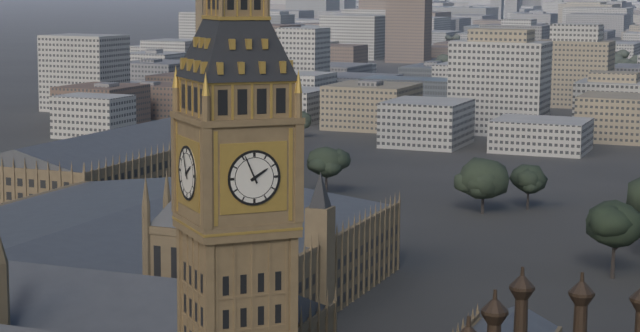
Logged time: 1:56
